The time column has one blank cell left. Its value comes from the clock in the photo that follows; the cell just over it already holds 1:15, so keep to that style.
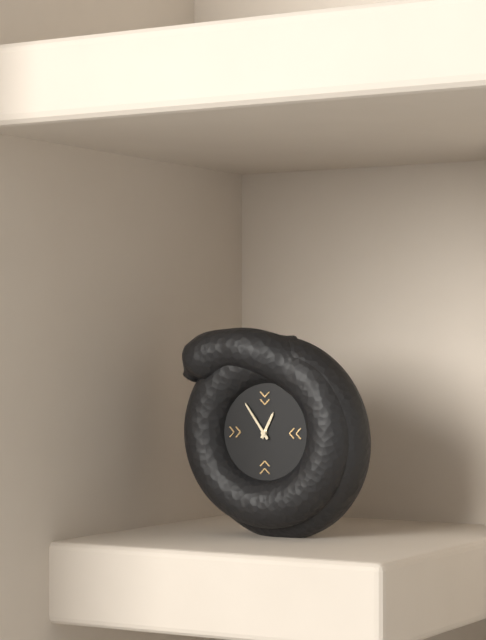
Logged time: 12:54
